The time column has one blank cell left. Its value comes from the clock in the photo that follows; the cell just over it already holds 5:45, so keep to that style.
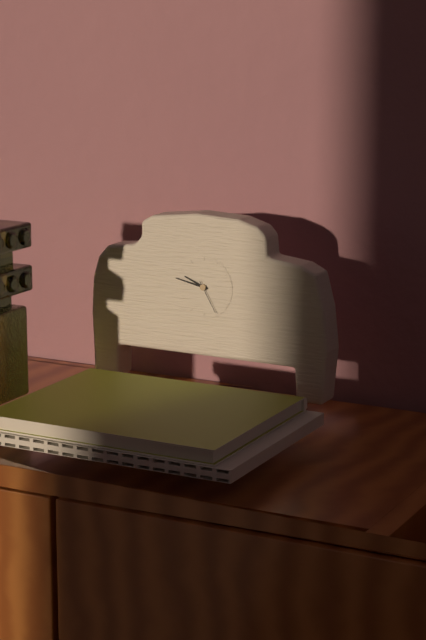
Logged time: 9:47
